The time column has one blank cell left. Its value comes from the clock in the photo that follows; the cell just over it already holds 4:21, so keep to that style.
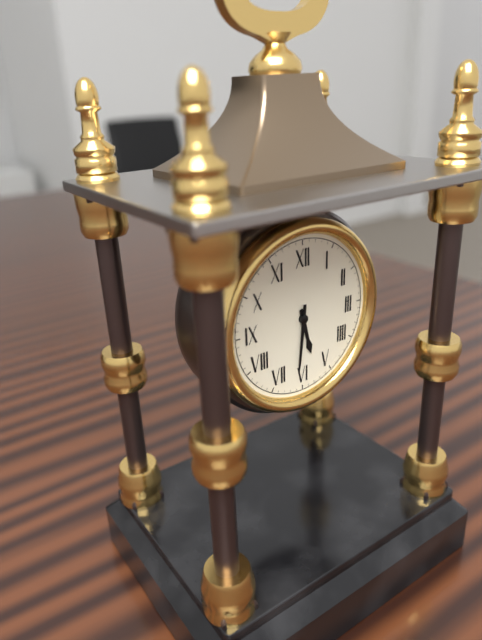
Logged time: 5:31
